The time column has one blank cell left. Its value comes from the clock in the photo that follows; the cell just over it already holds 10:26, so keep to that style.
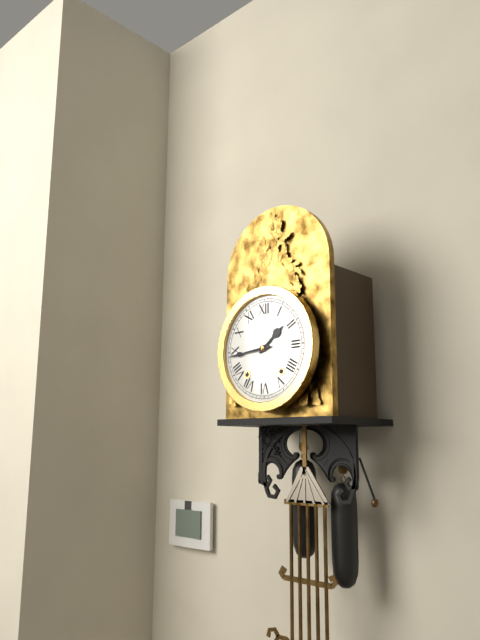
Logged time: 1:44
